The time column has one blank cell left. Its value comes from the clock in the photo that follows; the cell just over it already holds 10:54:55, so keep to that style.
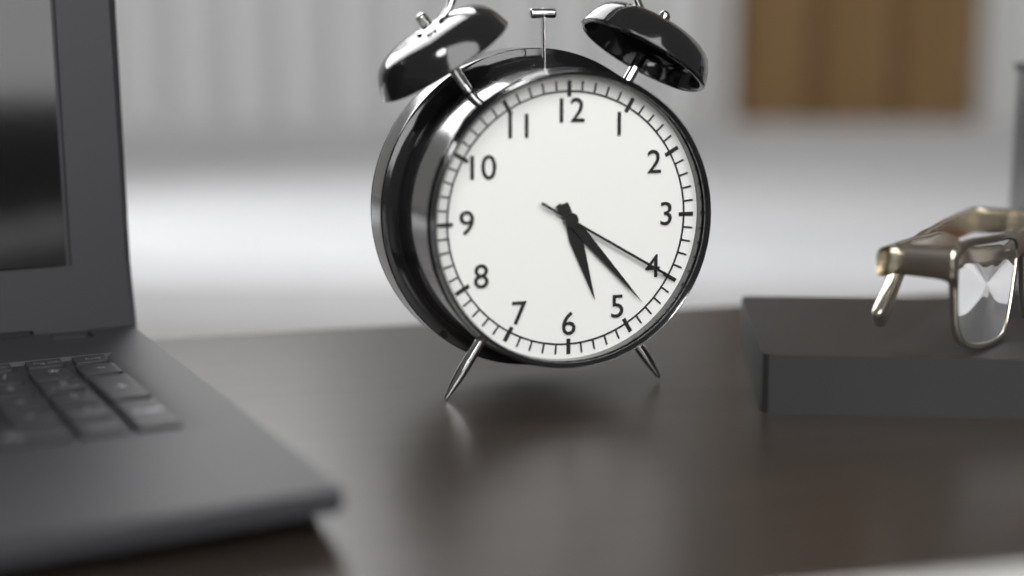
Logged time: 5:23:20
